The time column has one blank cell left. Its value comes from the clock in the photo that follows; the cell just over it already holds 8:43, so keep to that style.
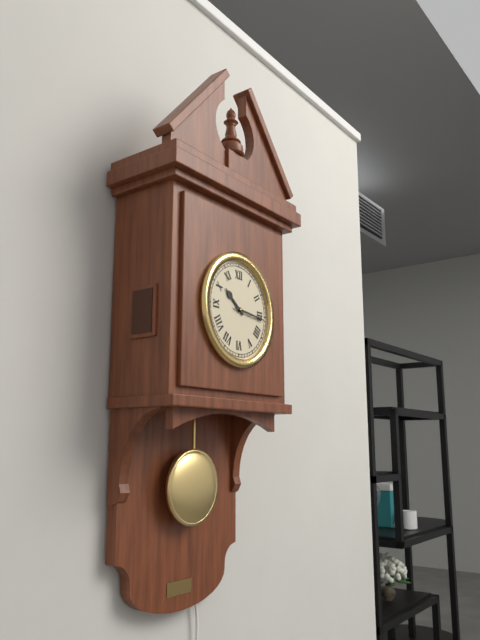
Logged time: 10:16
